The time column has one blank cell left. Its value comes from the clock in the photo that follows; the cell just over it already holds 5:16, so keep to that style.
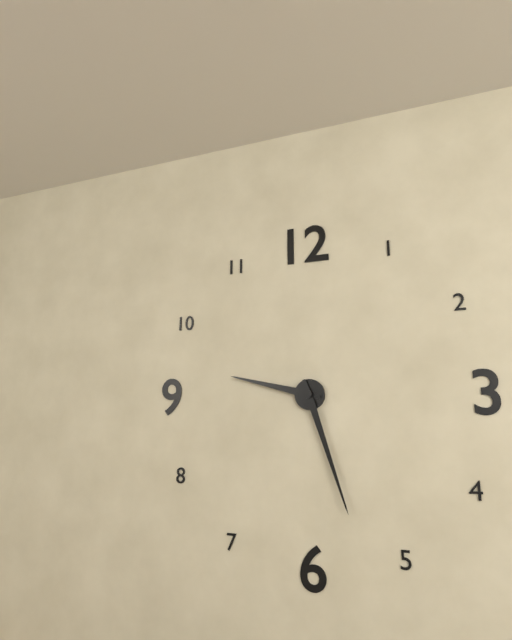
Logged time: 9:27
